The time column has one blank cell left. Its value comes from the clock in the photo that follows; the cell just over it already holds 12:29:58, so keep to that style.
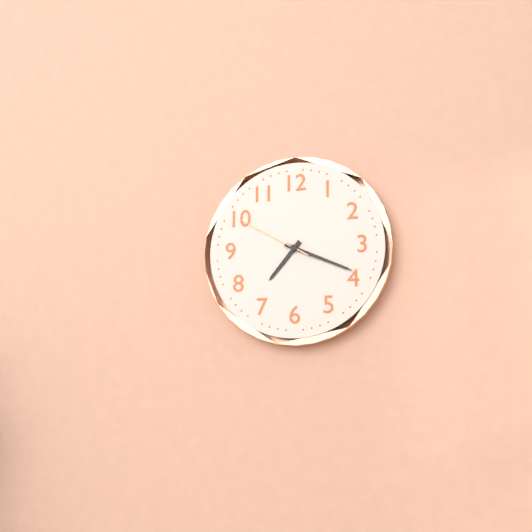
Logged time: 7:19:50
